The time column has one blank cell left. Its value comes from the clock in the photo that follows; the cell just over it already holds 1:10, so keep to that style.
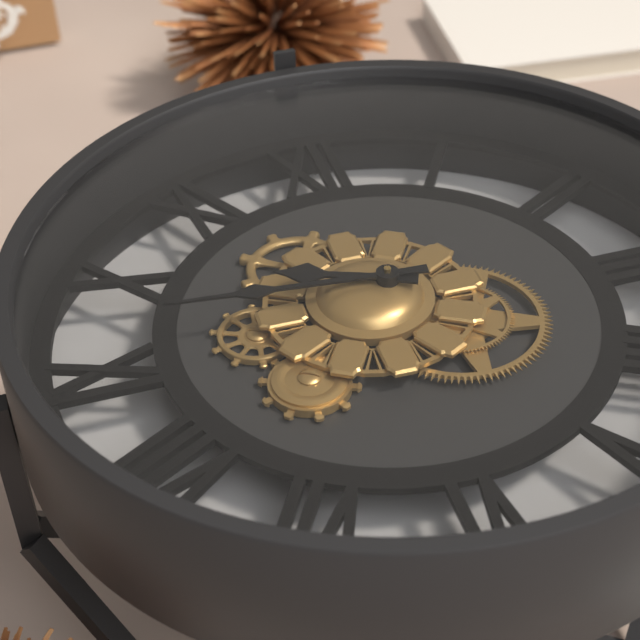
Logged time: 9:46
